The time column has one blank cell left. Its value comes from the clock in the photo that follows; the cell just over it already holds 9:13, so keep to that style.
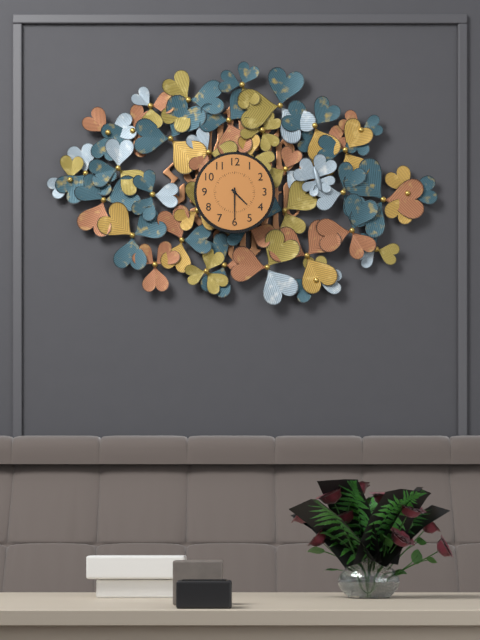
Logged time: 4:30
